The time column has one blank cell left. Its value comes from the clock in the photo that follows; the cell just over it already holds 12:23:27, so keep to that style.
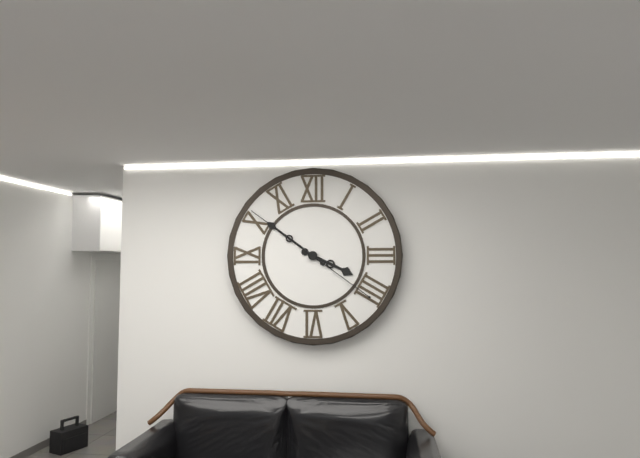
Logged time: 3:51:51
